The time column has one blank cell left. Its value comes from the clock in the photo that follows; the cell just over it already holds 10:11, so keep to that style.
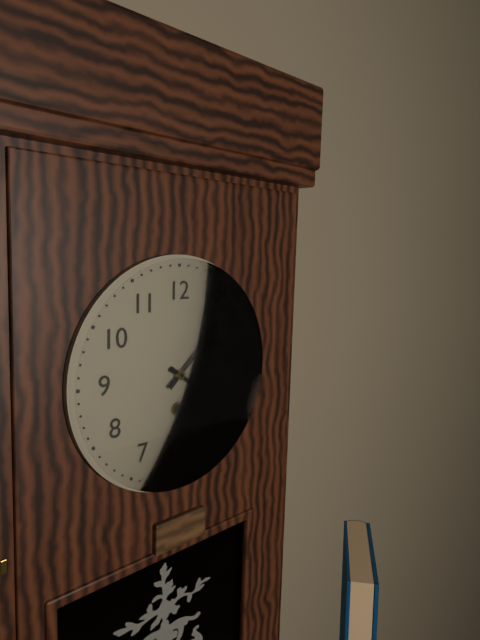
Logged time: 4:08
